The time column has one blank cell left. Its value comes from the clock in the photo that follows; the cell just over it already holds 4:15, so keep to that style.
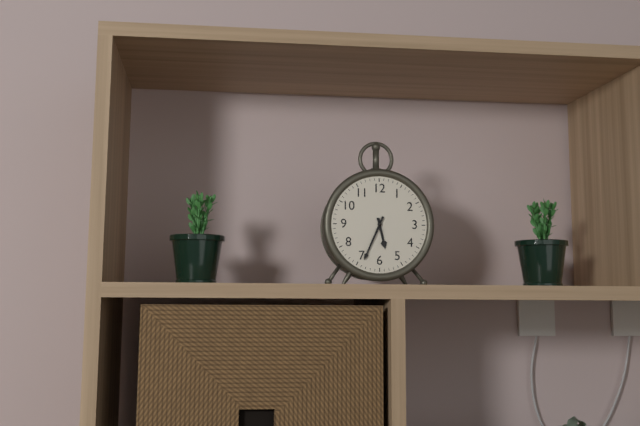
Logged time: 5:34
